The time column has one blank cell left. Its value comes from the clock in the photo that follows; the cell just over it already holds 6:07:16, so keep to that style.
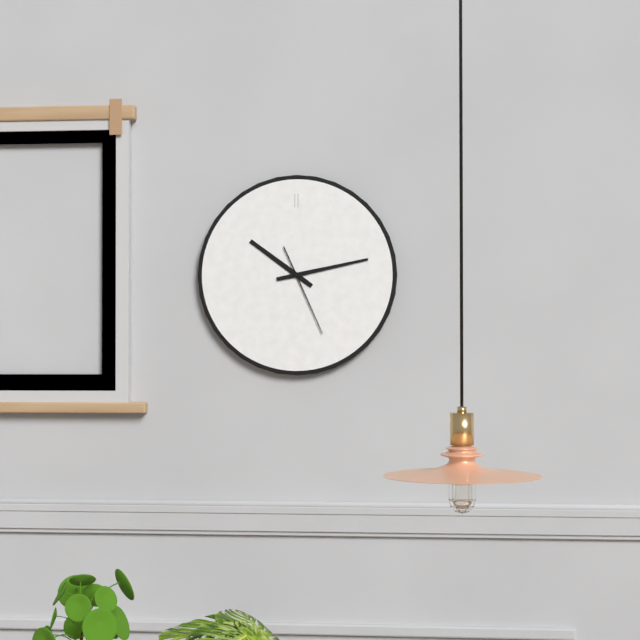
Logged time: 10:13:26
